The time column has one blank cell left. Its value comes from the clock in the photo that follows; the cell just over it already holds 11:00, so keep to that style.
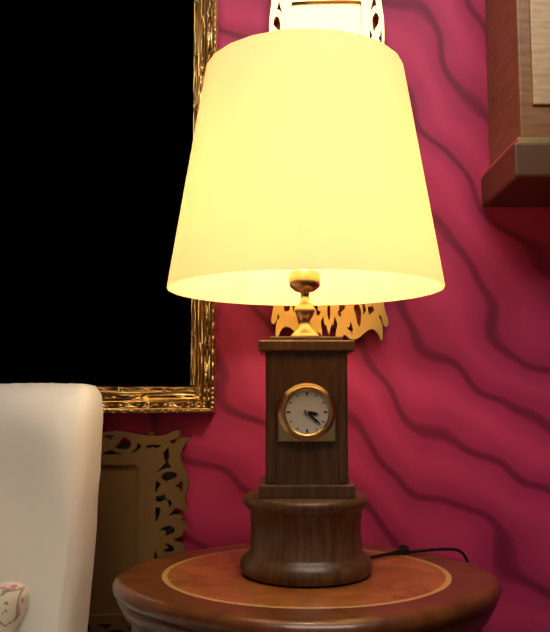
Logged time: 3:22
